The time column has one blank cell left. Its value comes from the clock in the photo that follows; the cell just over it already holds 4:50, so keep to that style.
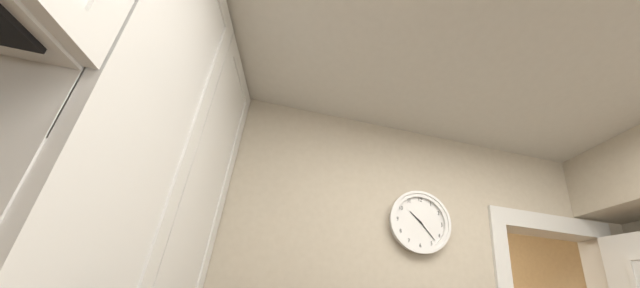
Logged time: 10:23
